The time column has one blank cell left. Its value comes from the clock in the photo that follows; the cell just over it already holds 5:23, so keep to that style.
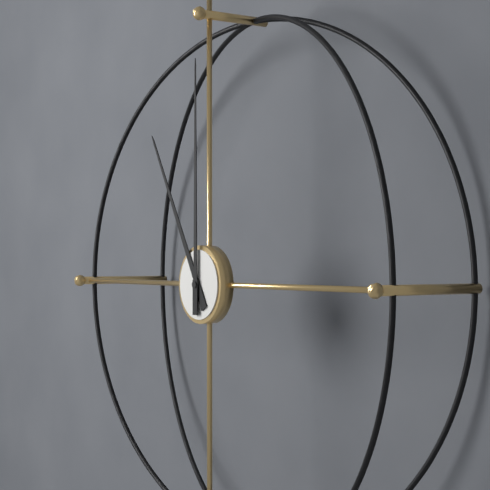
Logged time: 11:00
